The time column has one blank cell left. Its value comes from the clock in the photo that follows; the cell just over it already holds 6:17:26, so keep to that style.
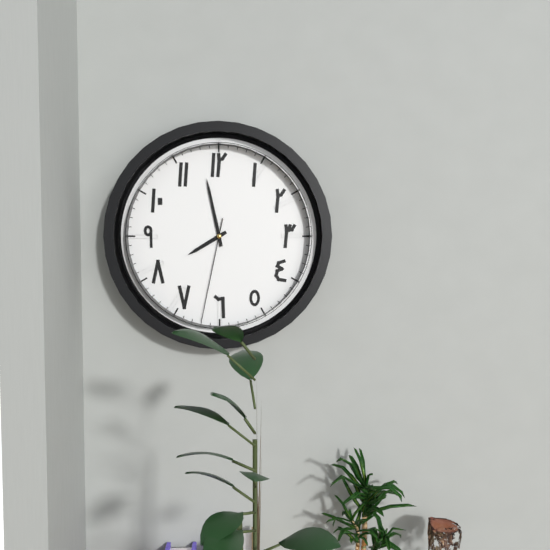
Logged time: 7:58:32
